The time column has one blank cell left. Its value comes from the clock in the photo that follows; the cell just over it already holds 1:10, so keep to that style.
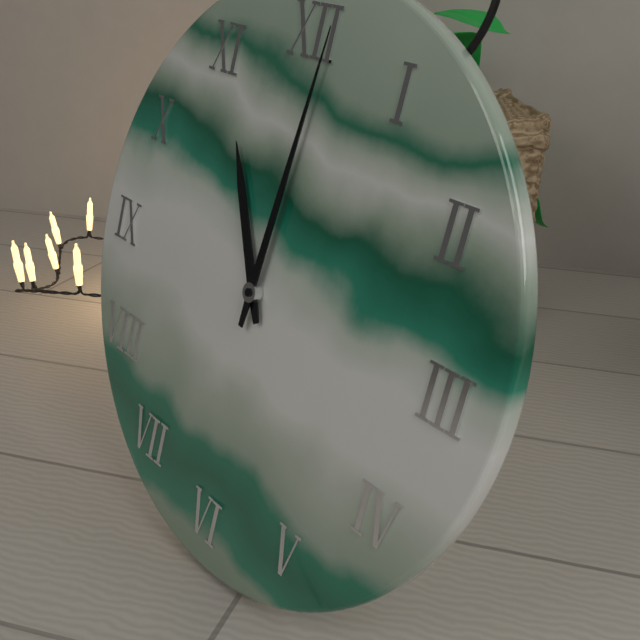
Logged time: 11:01
